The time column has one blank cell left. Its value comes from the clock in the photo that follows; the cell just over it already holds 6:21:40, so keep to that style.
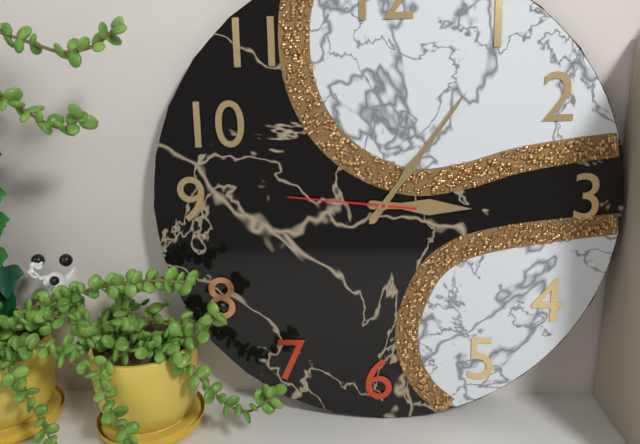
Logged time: 3:06:46
